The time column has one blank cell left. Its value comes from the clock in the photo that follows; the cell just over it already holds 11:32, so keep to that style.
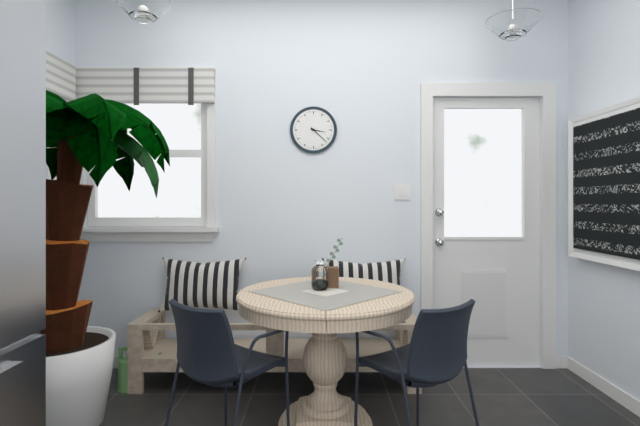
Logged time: 3:22
